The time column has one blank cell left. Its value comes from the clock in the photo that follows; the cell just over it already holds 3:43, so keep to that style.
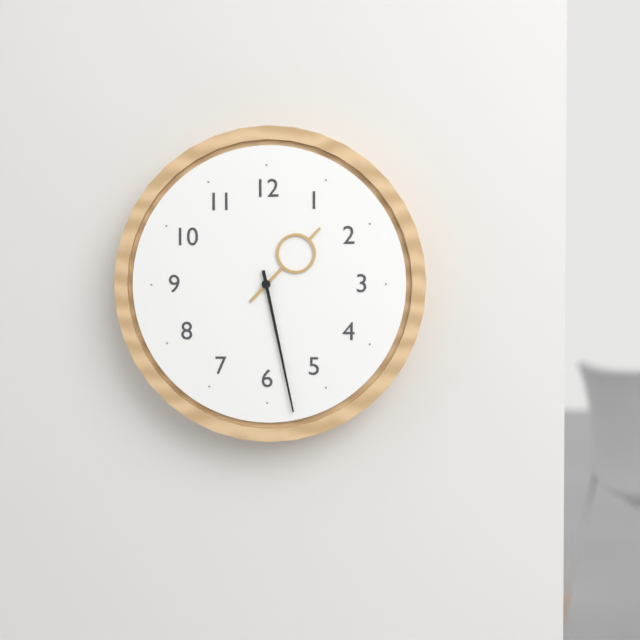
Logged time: 1:28
